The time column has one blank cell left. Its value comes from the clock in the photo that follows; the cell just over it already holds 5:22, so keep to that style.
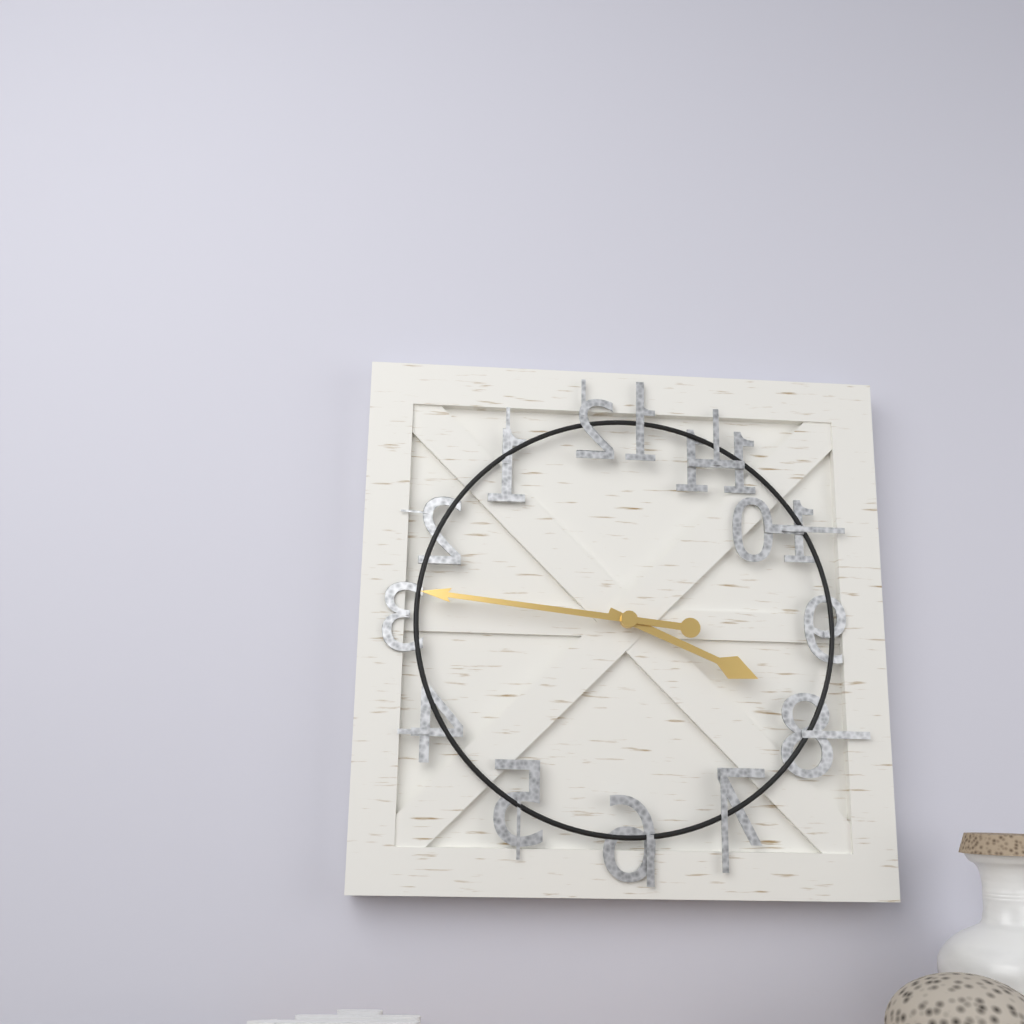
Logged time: 3:46
